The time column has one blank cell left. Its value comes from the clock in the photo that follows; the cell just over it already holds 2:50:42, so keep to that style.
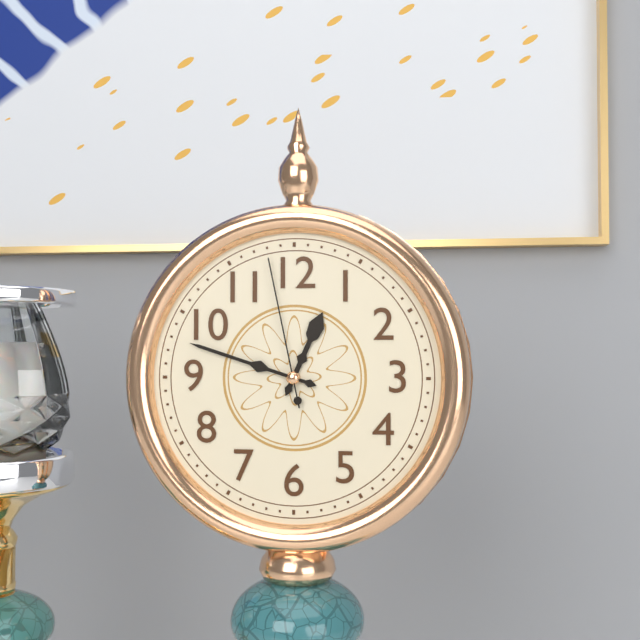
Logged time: 12:48:58
